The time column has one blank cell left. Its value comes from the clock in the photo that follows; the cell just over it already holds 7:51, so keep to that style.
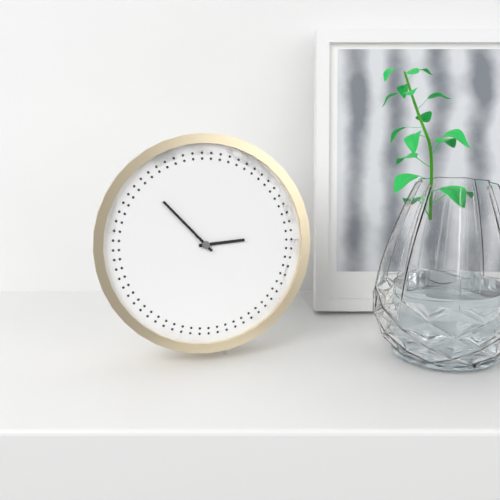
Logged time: 2:53
